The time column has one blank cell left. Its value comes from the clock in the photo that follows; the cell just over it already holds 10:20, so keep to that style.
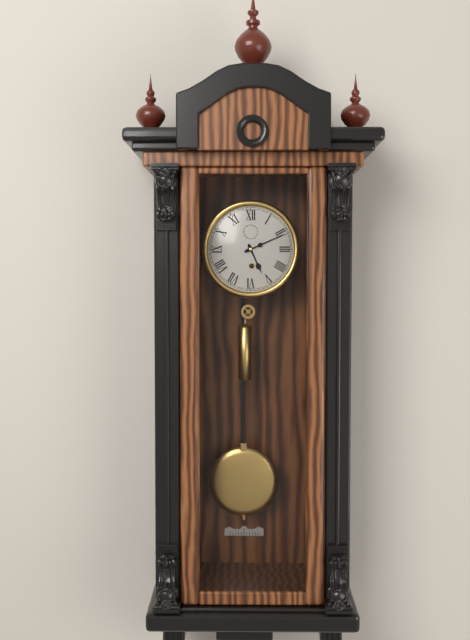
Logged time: 5:11
